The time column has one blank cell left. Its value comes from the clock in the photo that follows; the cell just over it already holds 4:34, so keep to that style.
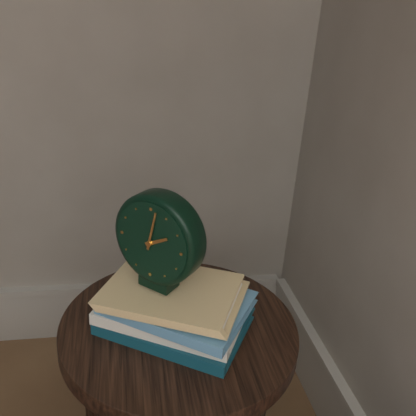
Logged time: 2:02
